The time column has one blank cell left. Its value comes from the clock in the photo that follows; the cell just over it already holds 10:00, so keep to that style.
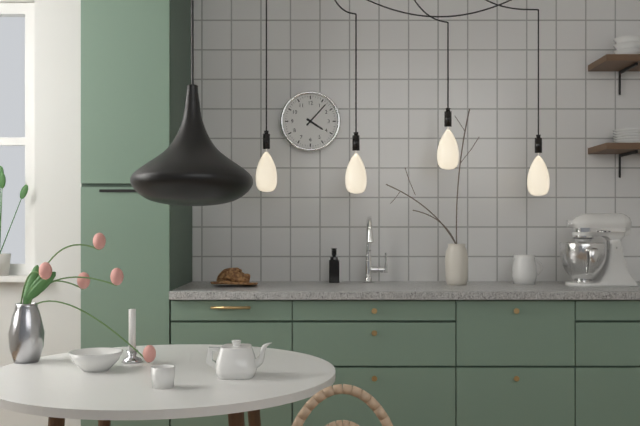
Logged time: 4:07
